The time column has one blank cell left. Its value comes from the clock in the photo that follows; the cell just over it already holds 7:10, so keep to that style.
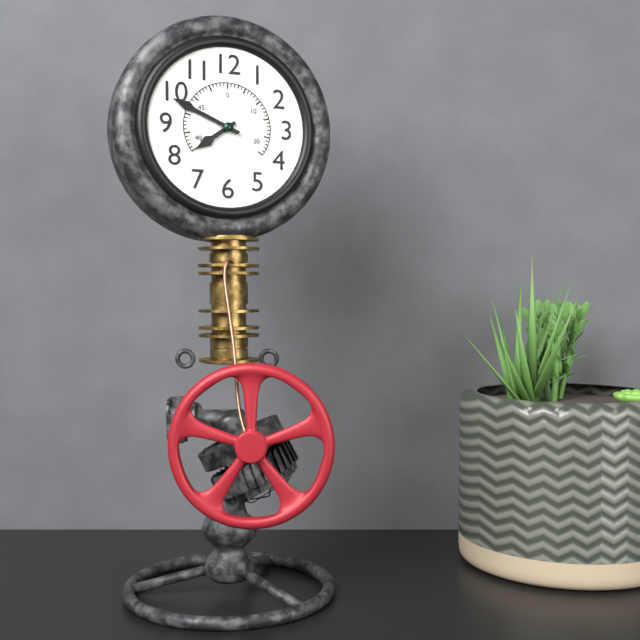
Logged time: 7:49
